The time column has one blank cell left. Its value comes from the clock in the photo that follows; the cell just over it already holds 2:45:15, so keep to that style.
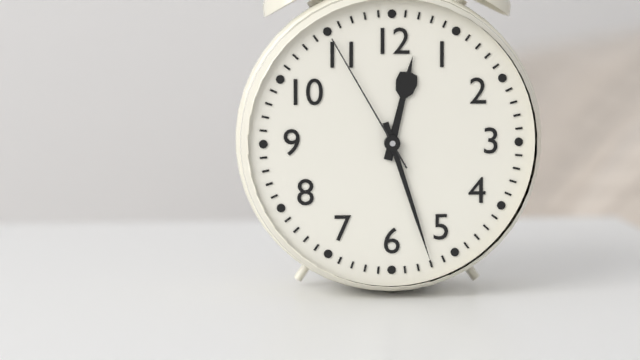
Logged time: 12:27:55
